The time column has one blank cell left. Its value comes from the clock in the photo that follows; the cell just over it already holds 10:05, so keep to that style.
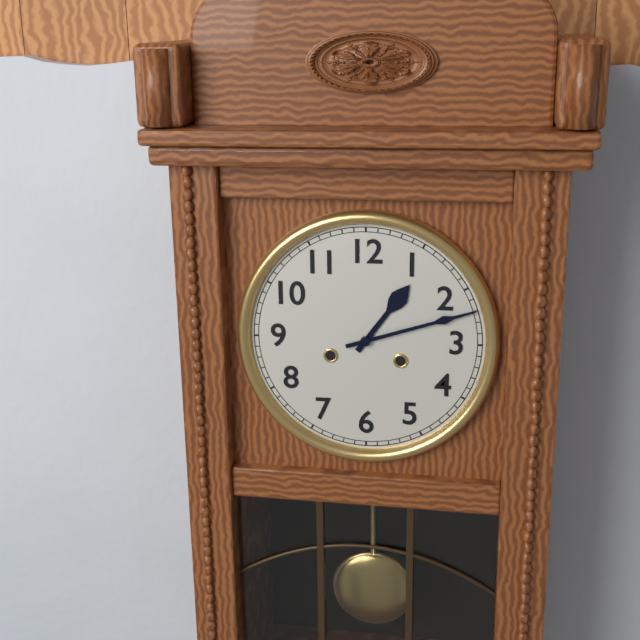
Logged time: 1:12
